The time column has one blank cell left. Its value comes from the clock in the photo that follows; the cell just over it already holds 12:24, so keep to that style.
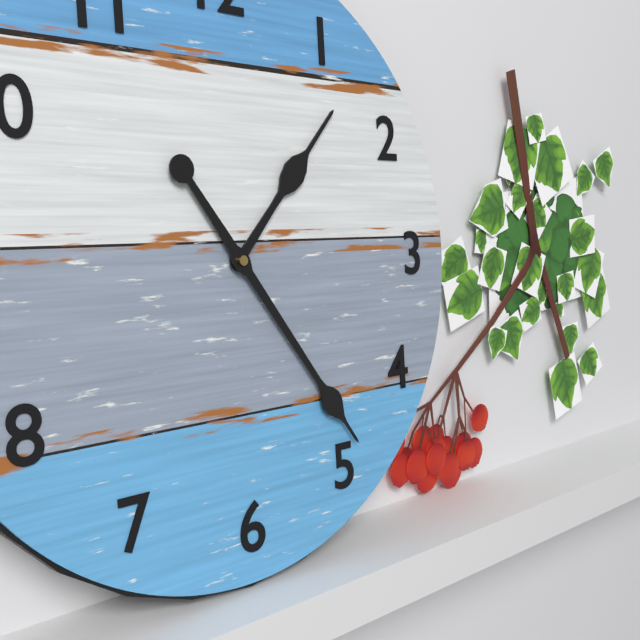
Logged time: 1:24
